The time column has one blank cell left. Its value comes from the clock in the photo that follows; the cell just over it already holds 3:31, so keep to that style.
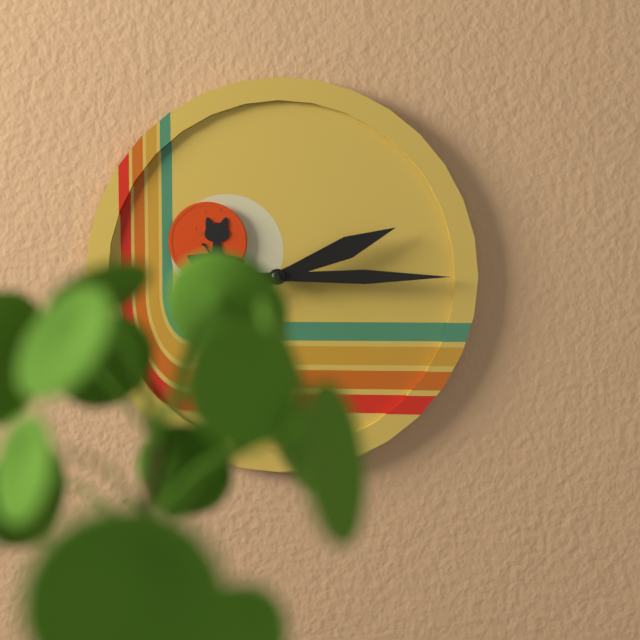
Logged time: 2:15
